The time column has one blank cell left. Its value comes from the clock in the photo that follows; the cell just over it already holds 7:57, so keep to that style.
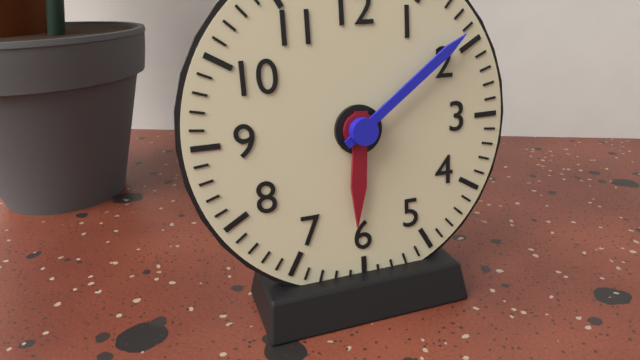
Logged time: 6:09
